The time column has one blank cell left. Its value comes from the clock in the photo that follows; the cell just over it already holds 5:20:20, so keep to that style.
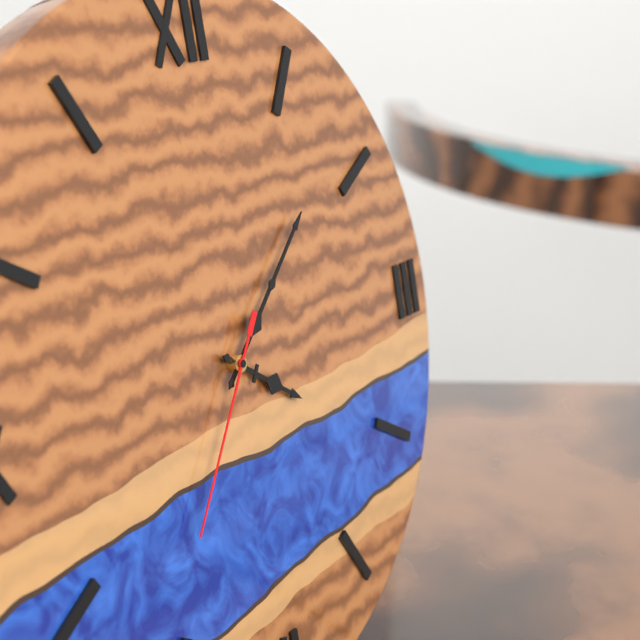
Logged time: 4:08:36
